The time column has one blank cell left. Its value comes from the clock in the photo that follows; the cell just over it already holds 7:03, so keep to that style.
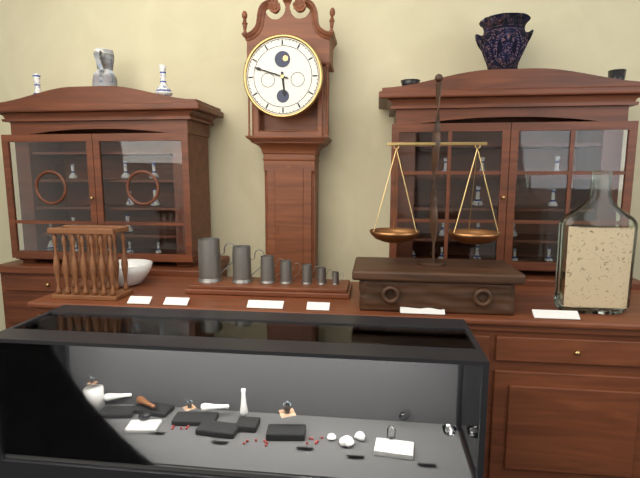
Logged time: 5:48
